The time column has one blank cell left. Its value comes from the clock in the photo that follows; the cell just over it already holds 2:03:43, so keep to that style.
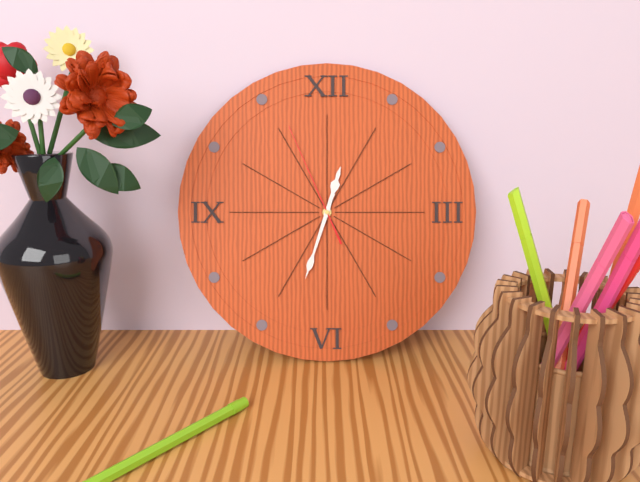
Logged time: 12:33:56
